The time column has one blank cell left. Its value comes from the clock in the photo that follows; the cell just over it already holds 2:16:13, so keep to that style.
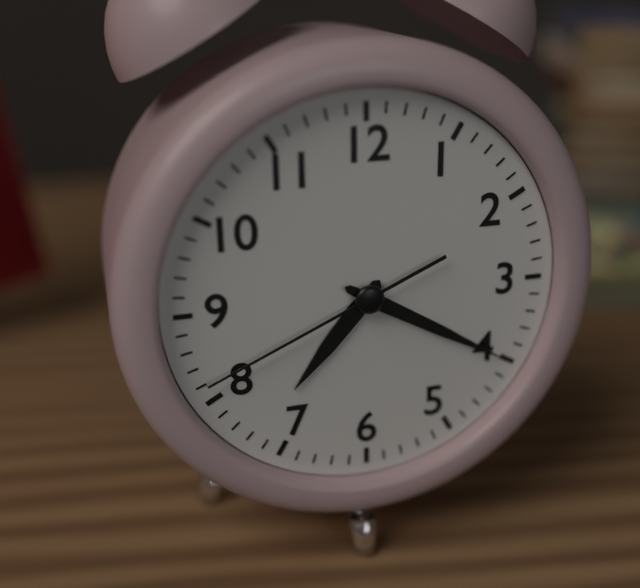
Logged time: 7:20:41
